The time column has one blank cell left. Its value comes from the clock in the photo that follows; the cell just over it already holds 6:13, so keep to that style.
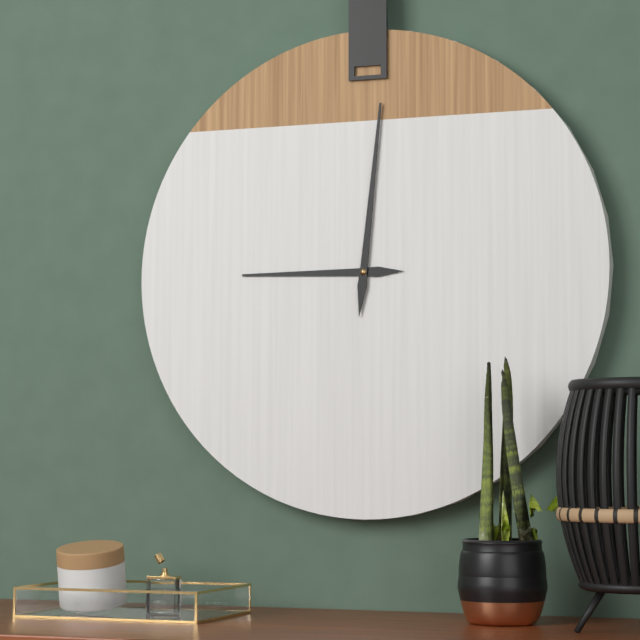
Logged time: 9:01
